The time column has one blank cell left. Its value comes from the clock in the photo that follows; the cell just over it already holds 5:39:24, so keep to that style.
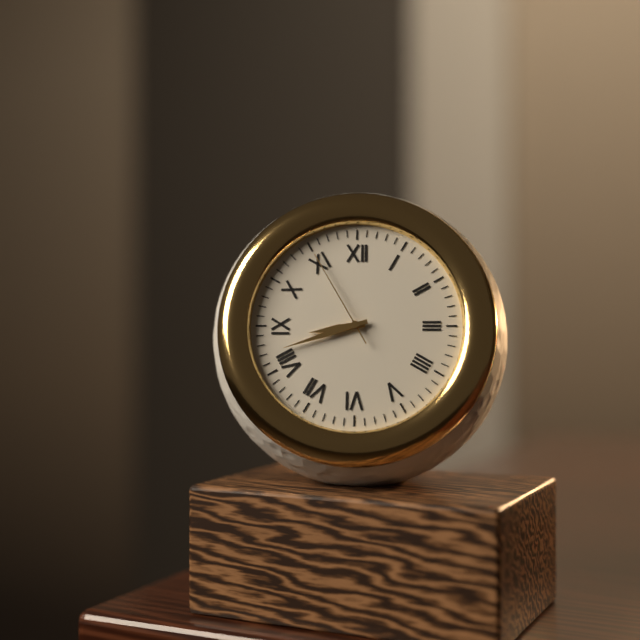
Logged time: 8:42:55
